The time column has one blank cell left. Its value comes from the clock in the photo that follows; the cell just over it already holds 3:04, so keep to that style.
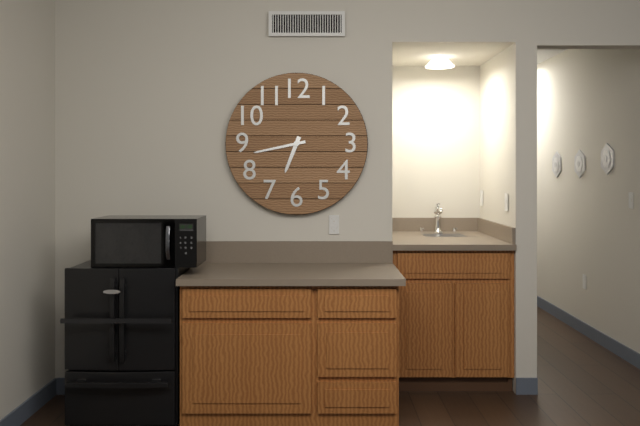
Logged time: 6:43
